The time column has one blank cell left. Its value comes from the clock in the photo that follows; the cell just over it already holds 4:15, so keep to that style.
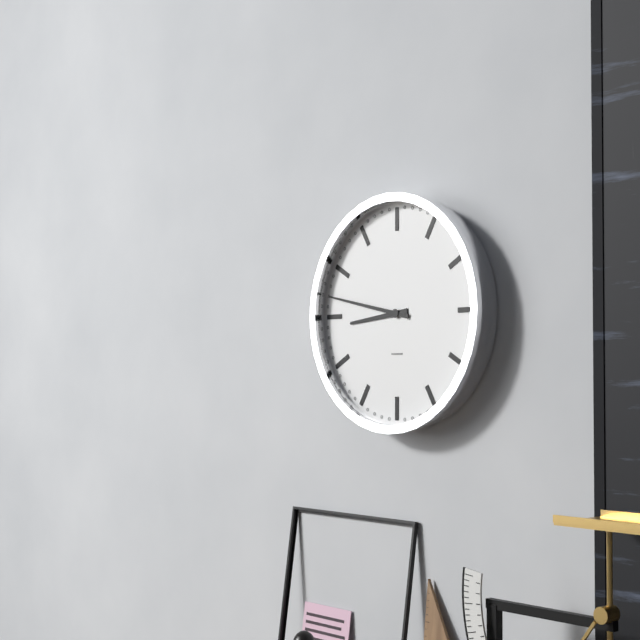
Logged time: 8:47
